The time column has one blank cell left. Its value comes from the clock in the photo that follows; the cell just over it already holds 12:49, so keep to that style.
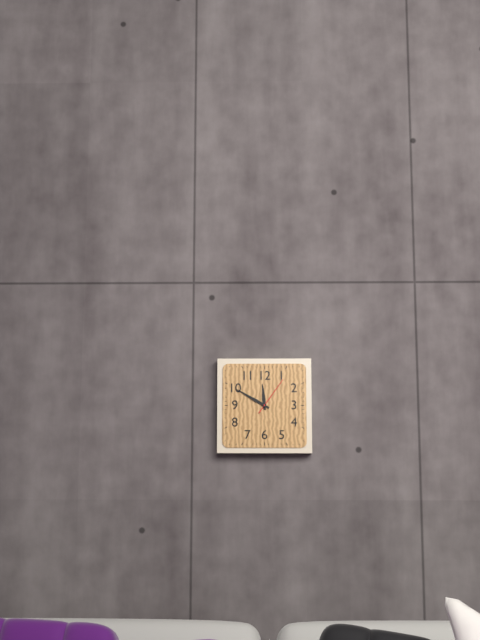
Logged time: 11:50
